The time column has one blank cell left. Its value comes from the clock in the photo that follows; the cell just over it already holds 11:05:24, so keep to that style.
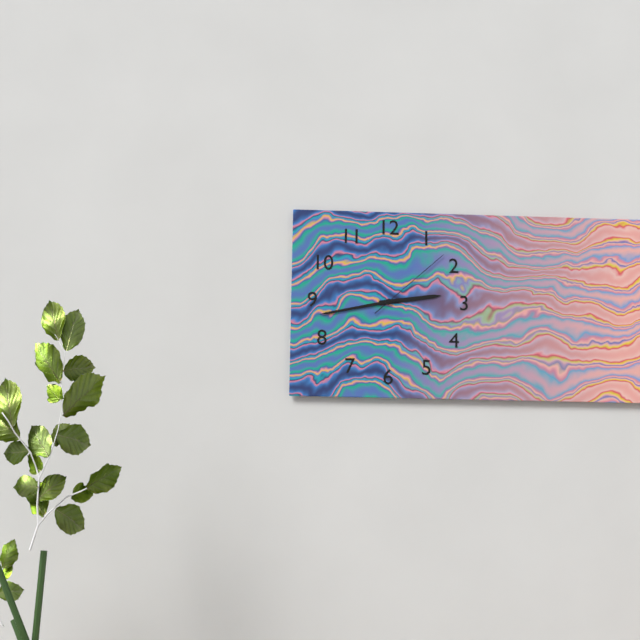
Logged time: 2:43:08
